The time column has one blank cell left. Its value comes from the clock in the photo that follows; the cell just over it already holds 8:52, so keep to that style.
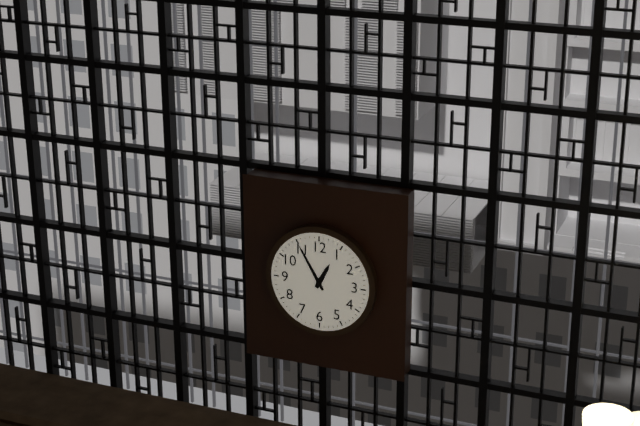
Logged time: 12:55
